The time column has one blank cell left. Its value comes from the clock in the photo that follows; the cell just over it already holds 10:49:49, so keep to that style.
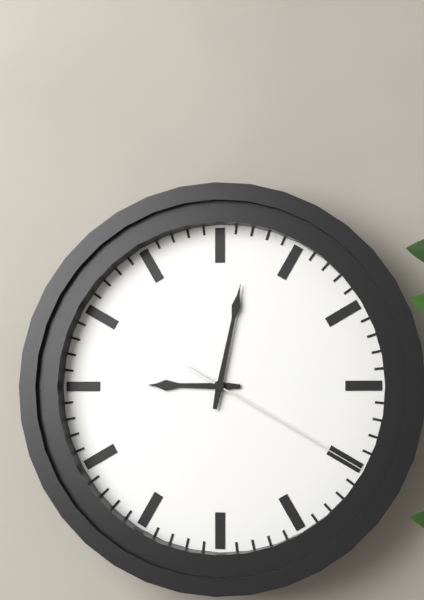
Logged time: 9:02:20
